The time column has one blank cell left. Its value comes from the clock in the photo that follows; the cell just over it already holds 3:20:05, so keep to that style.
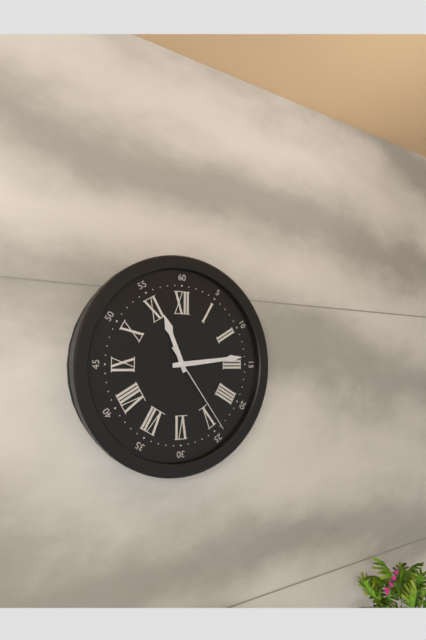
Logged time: 11:14:24
